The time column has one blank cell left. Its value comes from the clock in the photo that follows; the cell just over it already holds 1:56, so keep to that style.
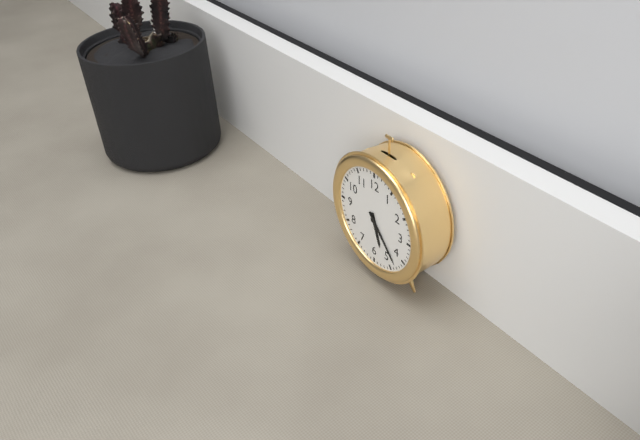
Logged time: 5:23
